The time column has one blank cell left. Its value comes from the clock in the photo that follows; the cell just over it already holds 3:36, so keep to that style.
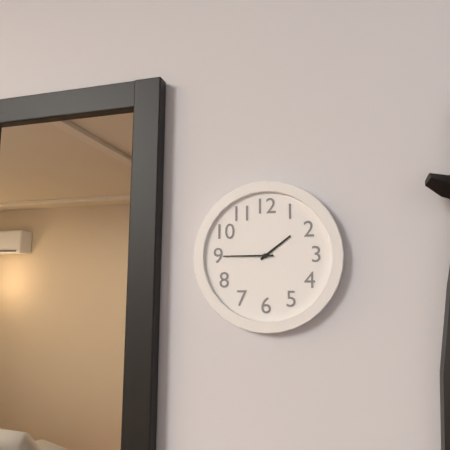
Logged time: 1:45
